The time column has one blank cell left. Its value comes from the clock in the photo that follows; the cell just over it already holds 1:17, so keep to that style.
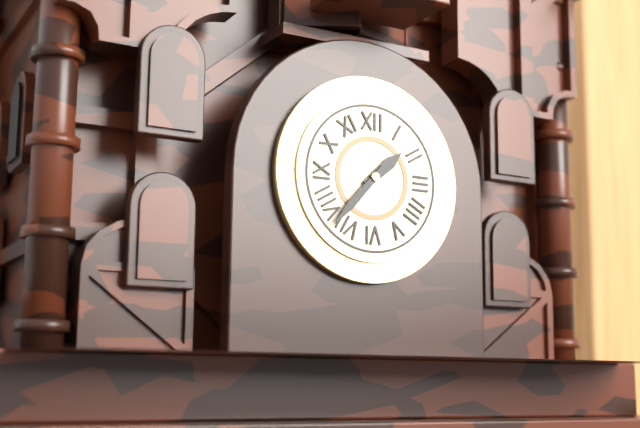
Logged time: 1:37
